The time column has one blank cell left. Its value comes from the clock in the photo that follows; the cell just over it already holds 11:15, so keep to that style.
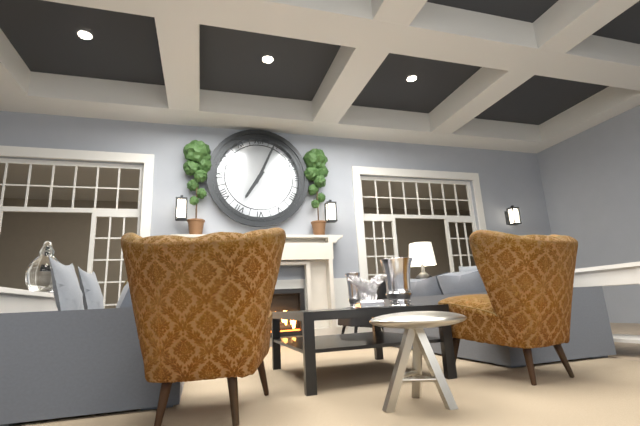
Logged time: 7:04
